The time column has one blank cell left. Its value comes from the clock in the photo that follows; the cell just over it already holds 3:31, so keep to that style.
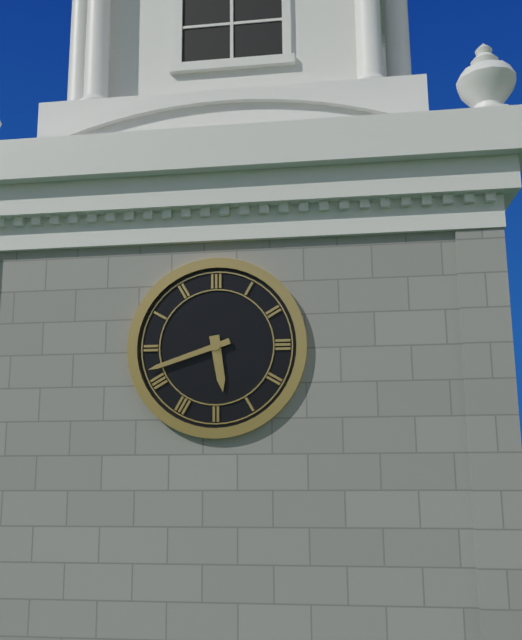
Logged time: 5:42
